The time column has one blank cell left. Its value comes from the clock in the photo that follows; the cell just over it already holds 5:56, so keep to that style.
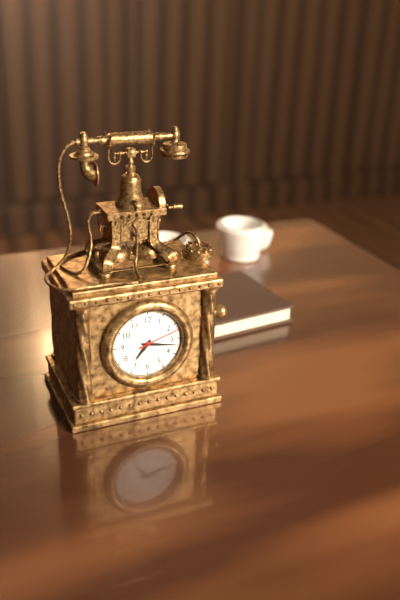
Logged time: 7:17
